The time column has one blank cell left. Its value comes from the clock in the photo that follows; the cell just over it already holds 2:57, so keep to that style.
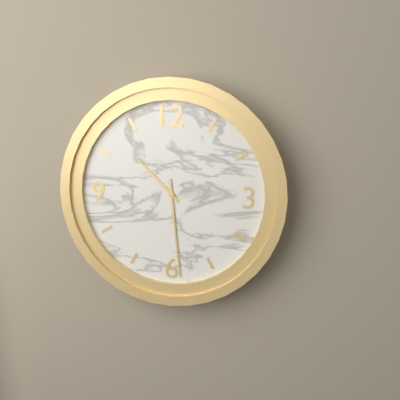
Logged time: 10:29
